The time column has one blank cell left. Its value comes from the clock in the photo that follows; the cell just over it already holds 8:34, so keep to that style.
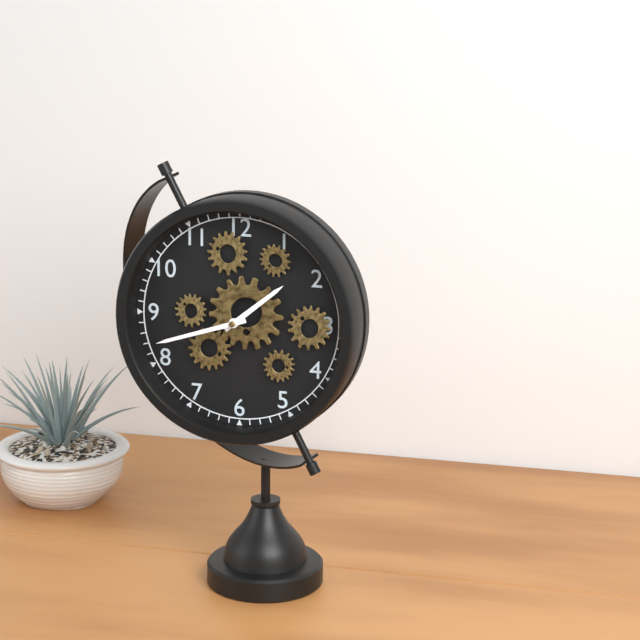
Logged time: 1:42
